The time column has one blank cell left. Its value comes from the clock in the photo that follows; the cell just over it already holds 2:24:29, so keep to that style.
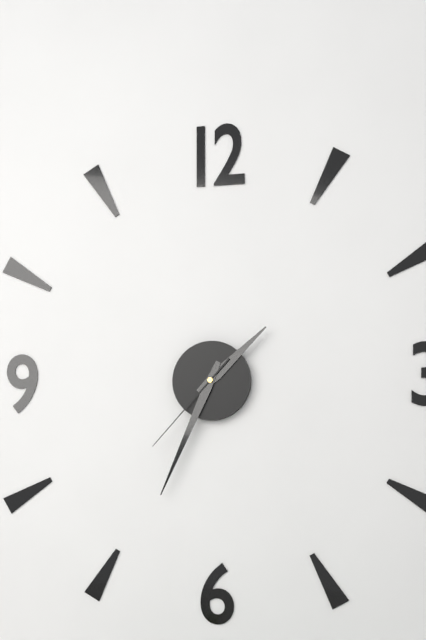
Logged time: 1:34:37
